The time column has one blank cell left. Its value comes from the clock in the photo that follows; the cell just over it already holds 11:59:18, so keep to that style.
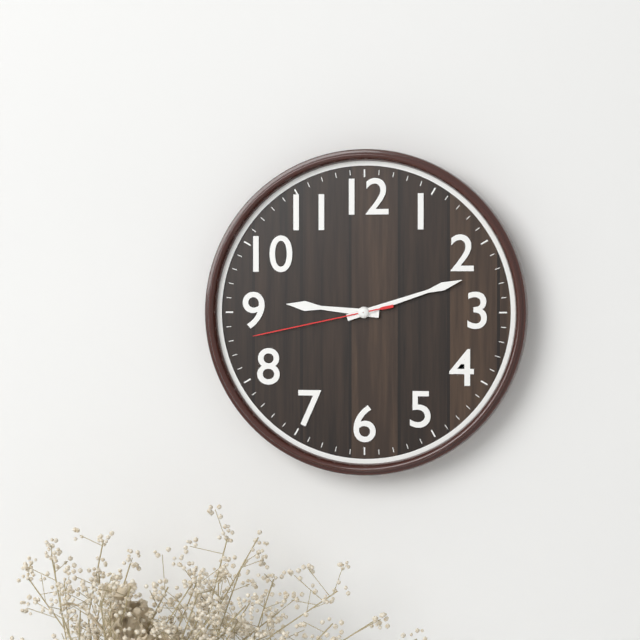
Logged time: 9:12:43
